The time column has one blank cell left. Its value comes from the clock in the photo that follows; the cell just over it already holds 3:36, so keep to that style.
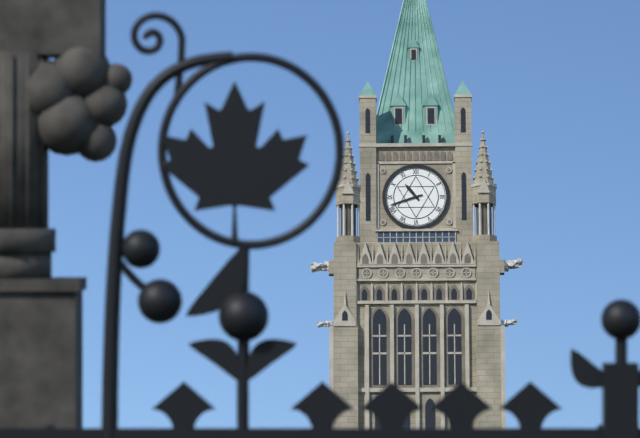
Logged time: 10:42
